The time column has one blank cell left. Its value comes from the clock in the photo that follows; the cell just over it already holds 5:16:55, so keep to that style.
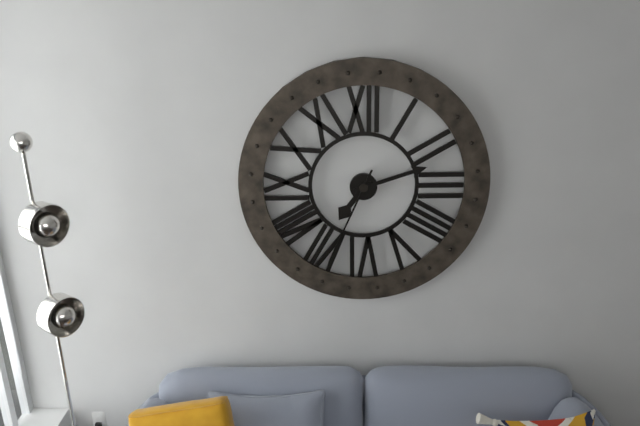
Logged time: 7:12:34
